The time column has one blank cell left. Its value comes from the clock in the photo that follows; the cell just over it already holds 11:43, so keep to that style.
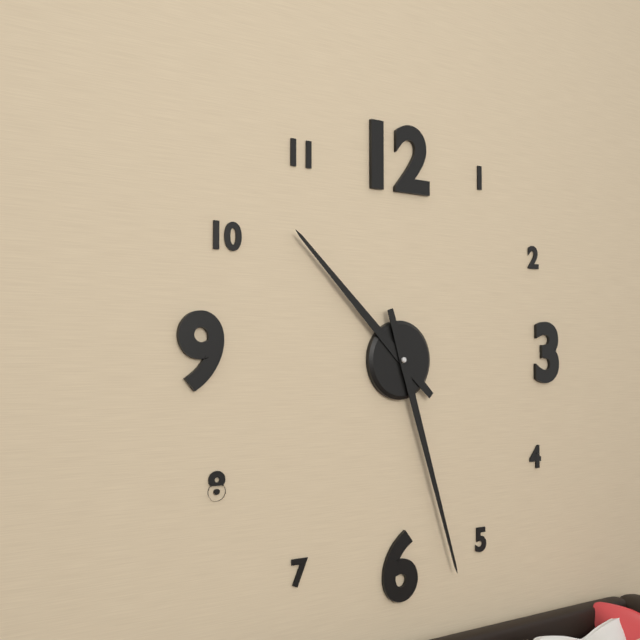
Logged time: 10:27
